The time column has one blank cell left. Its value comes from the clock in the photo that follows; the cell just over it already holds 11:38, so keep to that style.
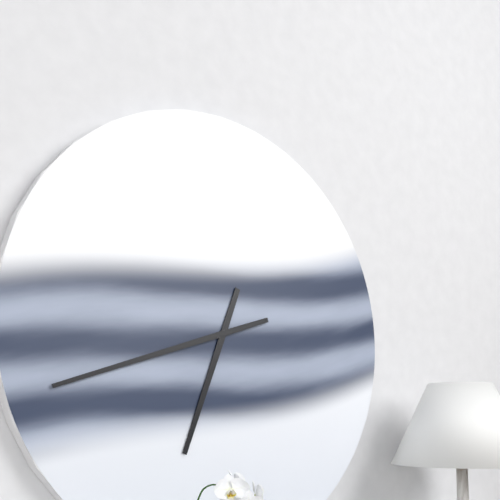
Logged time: 6:42
